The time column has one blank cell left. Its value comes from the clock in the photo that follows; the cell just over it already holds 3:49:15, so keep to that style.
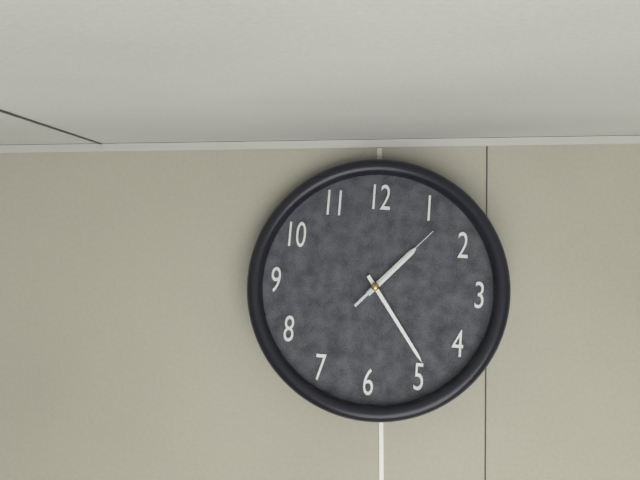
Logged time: 1:24:07
